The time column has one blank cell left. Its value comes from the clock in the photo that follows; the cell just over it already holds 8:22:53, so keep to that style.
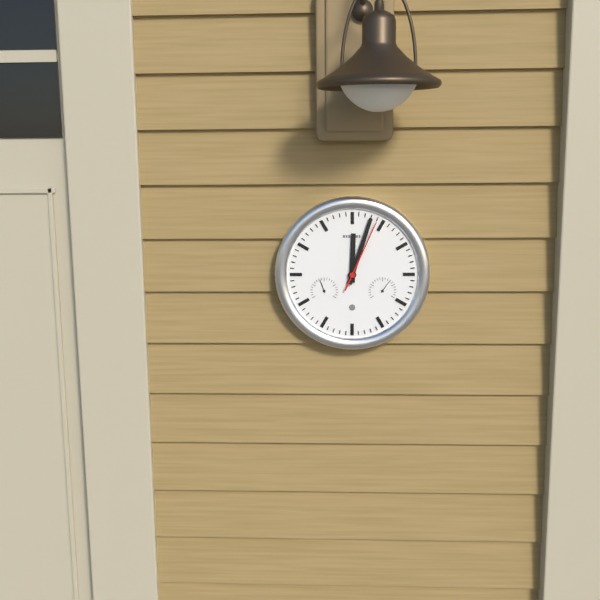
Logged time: 12:03:04
